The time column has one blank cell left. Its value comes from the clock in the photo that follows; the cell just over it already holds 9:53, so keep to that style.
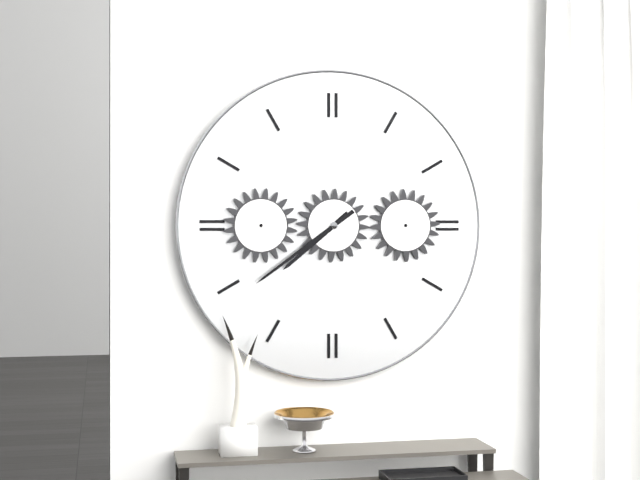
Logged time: 7:39
